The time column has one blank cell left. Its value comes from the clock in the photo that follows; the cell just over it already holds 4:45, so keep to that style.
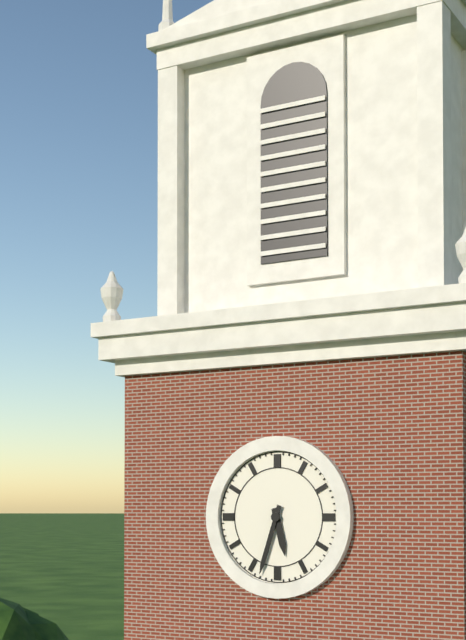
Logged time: 5:33
